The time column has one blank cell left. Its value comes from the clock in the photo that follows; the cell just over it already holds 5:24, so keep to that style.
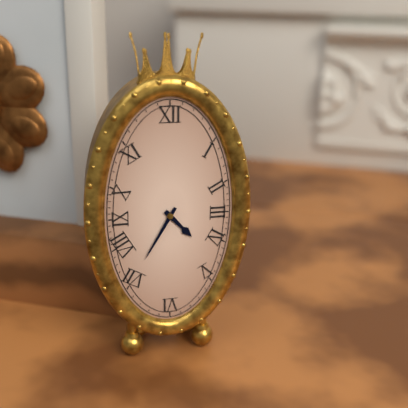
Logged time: 4:35
